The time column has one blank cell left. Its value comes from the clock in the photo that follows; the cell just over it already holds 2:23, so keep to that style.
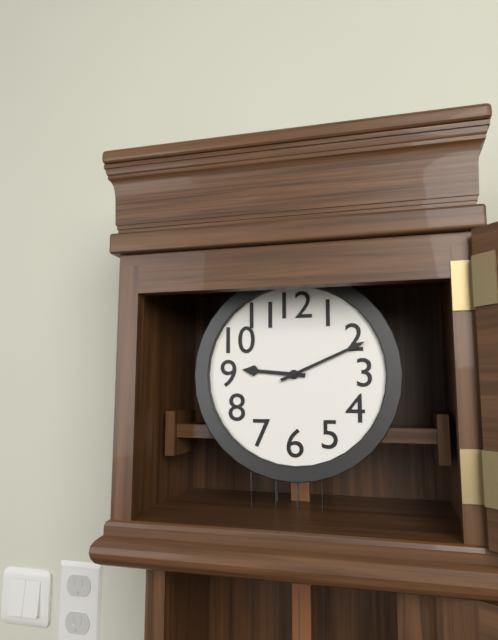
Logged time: 9:11
